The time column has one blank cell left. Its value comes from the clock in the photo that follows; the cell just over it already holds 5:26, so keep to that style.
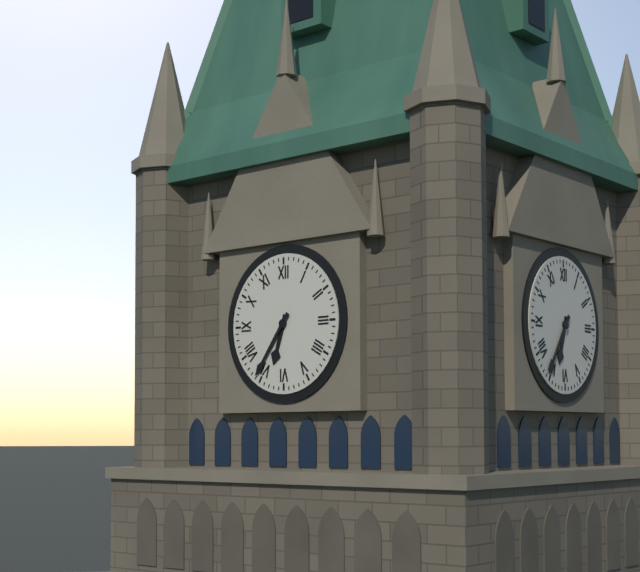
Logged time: 6:36
